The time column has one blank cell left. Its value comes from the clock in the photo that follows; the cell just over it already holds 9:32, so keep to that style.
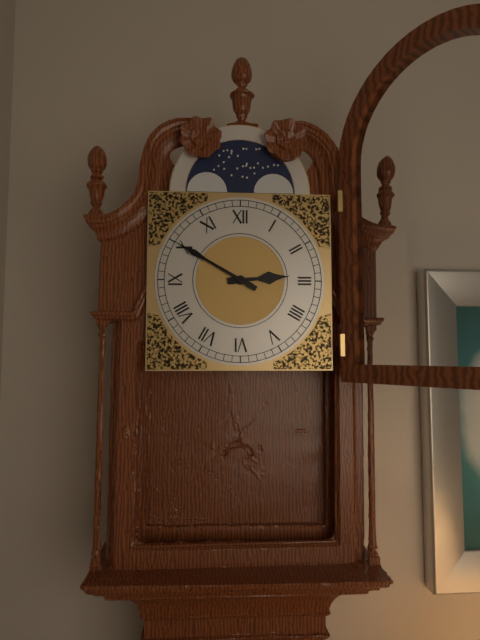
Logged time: 2:50
